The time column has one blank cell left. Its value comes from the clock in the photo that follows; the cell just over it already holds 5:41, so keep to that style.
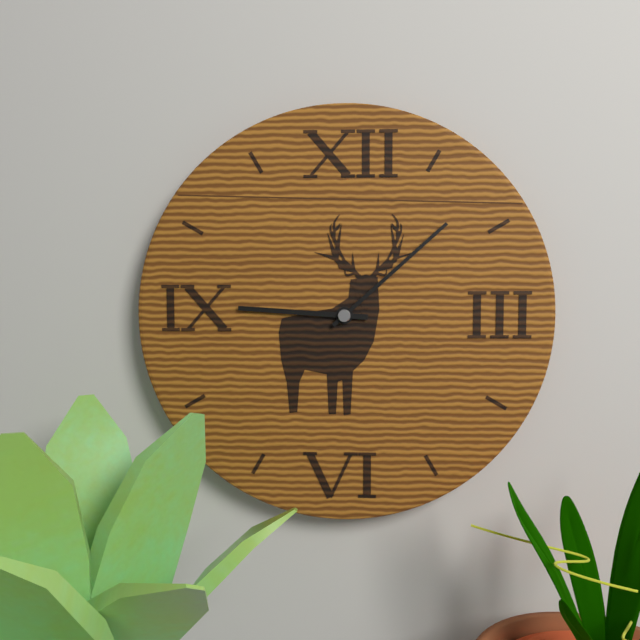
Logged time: 9:08
